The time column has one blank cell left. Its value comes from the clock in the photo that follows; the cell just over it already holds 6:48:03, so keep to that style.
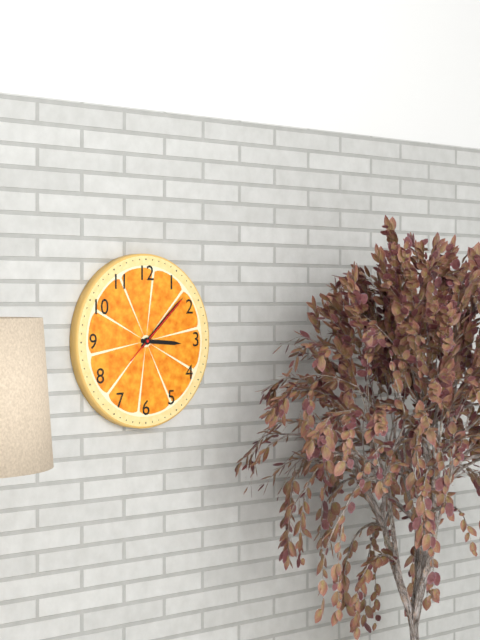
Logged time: 3:08:08
